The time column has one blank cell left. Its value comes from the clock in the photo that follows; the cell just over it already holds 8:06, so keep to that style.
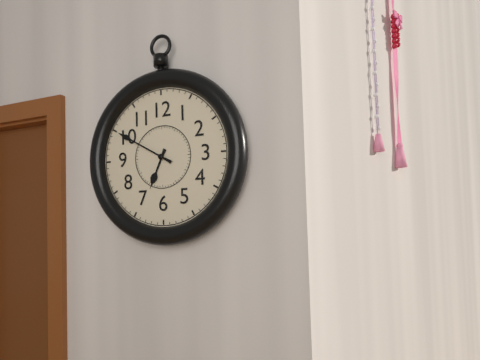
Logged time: 6:50
